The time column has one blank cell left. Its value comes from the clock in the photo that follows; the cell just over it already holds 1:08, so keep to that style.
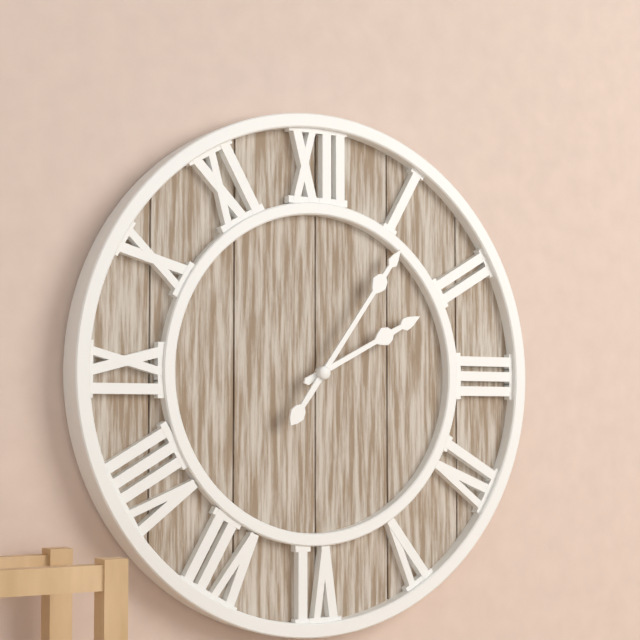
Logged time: 2:06
